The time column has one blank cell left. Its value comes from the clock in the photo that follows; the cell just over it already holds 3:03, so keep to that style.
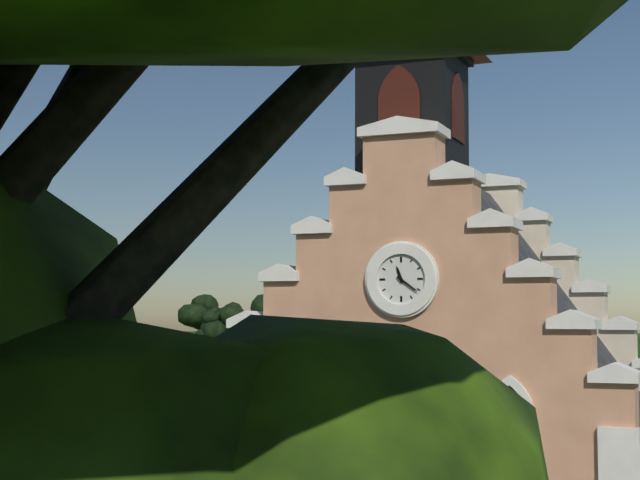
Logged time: 11:21
